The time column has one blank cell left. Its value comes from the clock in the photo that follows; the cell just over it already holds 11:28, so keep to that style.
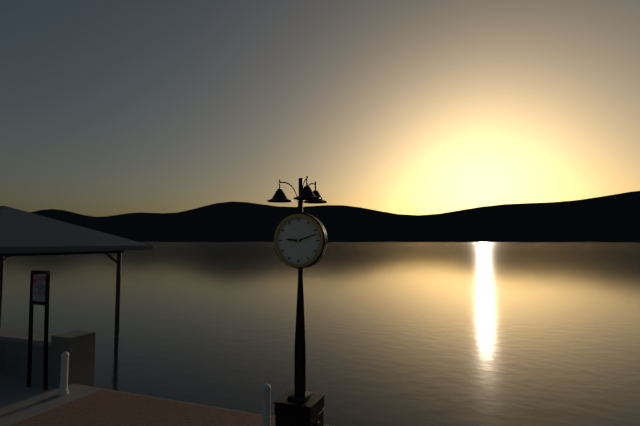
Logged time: 9:12
